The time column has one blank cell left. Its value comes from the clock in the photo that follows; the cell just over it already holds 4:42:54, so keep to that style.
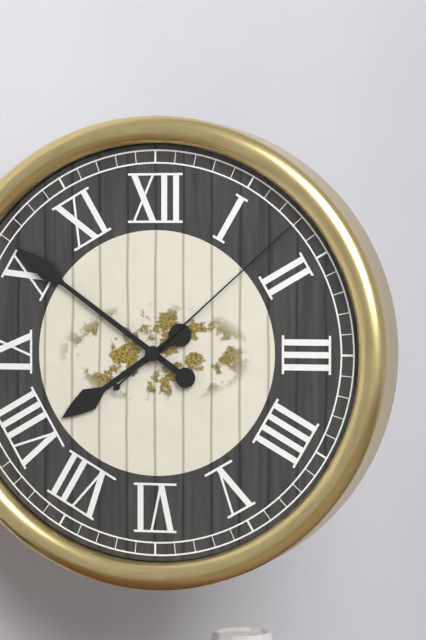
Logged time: 7:51:08
